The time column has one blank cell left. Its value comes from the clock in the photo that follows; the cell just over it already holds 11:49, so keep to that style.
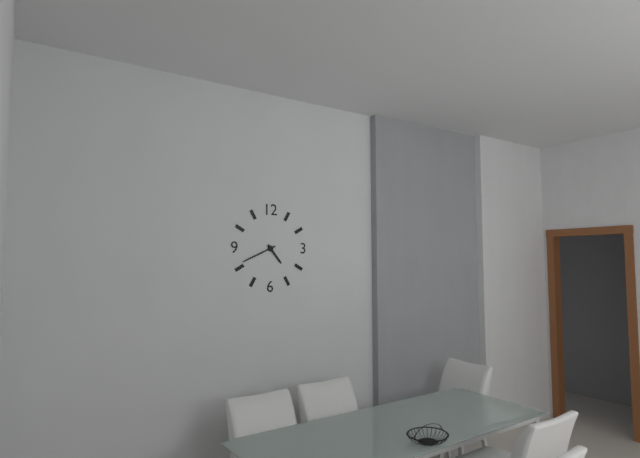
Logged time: 4:41
